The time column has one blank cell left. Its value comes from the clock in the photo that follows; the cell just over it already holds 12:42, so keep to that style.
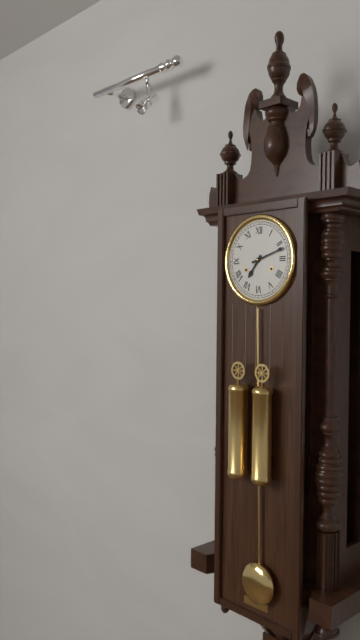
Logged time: 7:12
